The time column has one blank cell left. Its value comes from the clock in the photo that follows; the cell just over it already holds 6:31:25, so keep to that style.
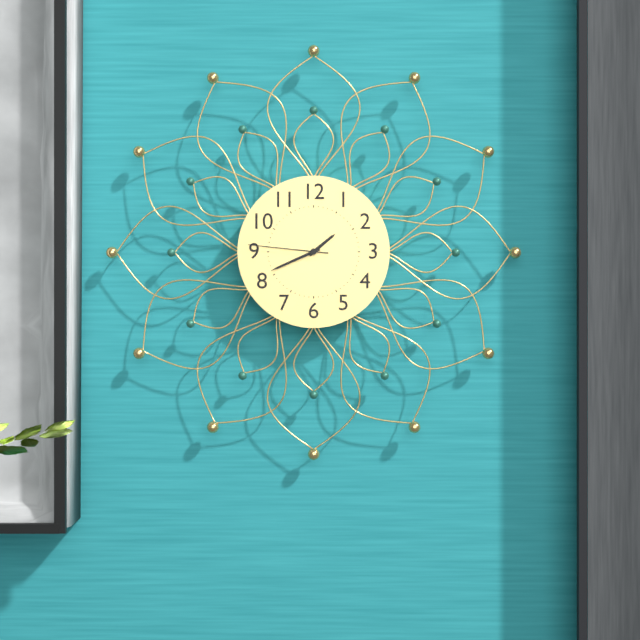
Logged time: 1:41:46
